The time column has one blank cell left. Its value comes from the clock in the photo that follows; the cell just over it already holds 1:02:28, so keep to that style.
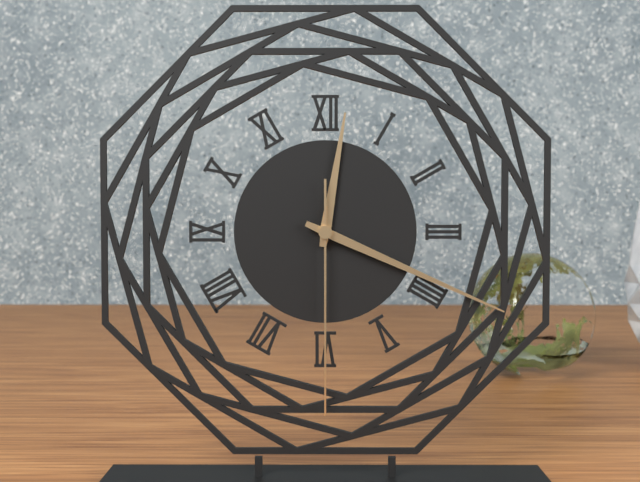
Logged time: 12:19:30
